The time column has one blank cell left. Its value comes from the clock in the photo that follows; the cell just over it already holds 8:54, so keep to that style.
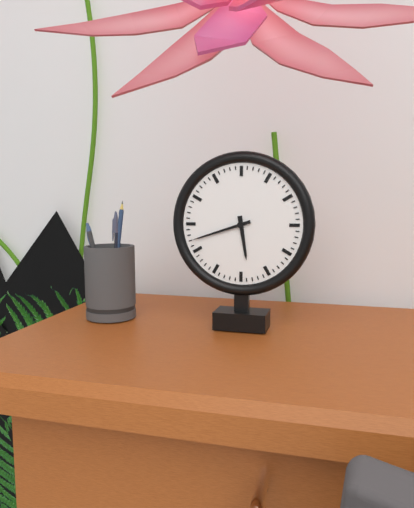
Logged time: 5:42
